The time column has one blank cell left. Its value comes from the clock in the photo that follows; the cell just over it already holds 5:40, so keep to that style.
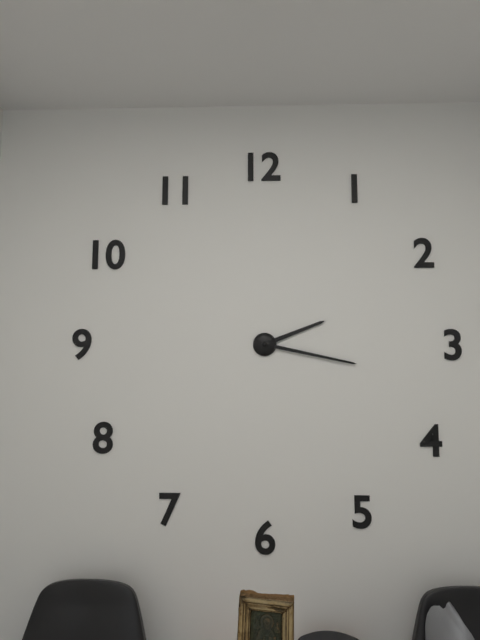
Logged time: 2:17
